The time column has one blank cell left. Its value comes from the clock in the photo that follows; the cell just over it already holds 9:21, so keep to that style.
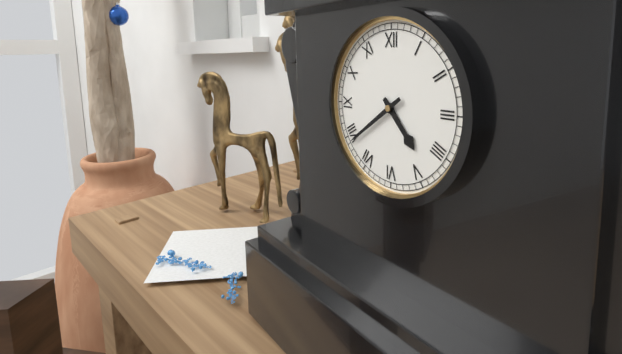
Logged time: 4:39
